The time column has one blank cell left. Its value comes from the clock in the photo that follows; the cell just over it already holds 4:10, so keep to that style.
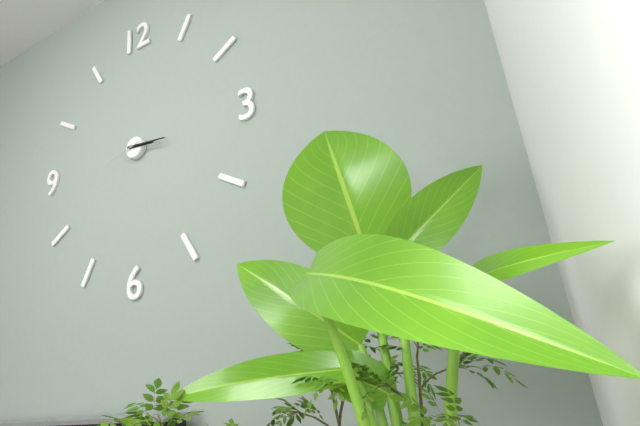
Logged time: 3:16
